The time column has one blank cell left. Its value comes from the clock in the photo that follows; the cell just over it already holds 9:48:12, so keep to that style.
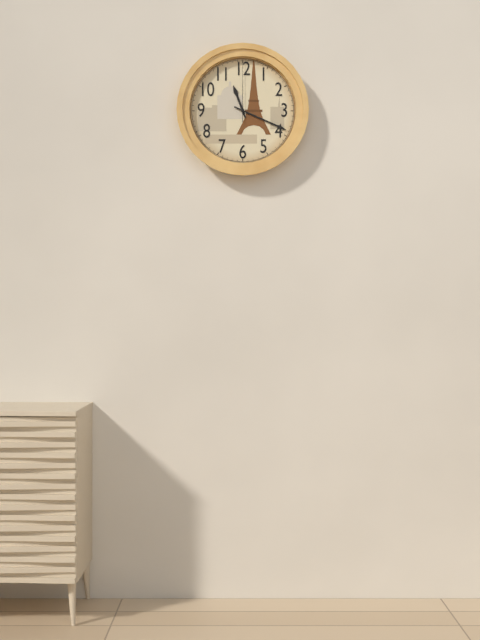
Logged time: 11:19:00
